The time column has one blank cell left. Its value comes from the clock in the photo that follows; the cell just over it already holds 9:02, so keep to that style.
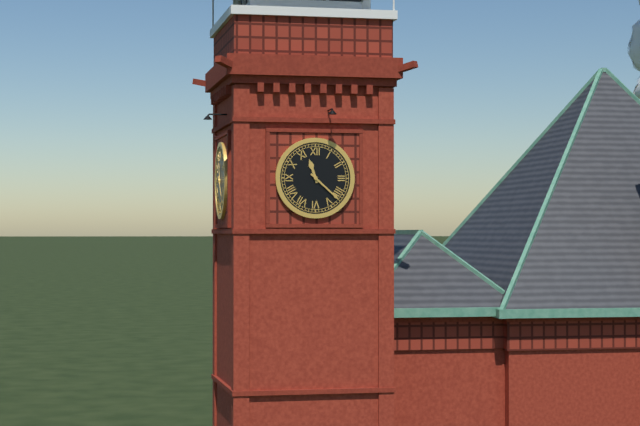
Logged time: 11:22
